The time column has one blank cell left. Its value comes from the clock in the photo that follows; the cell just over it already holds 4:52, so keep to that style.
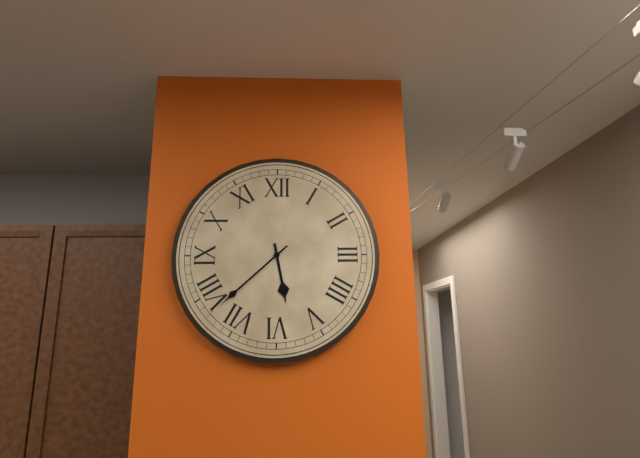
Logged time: 5:38
